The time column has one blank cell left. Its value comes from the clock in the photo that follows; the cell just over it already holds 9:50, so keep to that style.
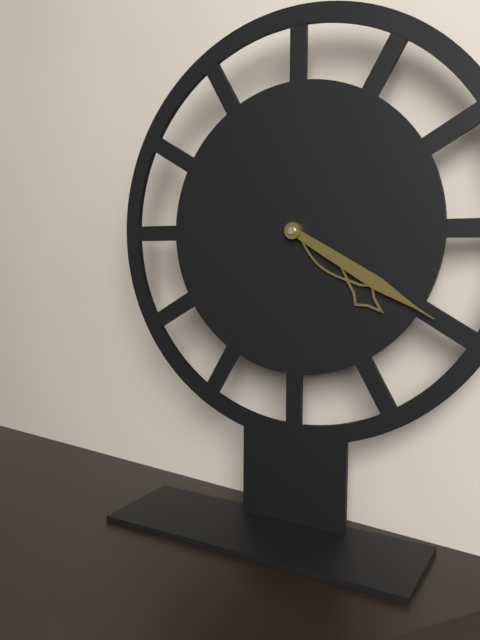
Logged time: 4:20
